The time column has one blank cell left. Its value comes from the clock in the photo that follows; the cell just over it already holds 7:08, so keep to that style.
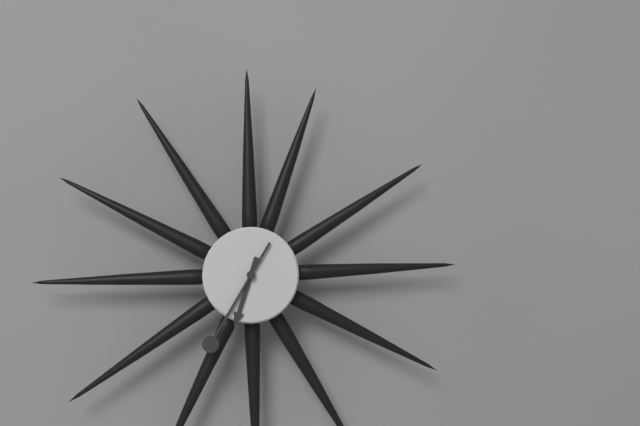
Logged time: 6:35
